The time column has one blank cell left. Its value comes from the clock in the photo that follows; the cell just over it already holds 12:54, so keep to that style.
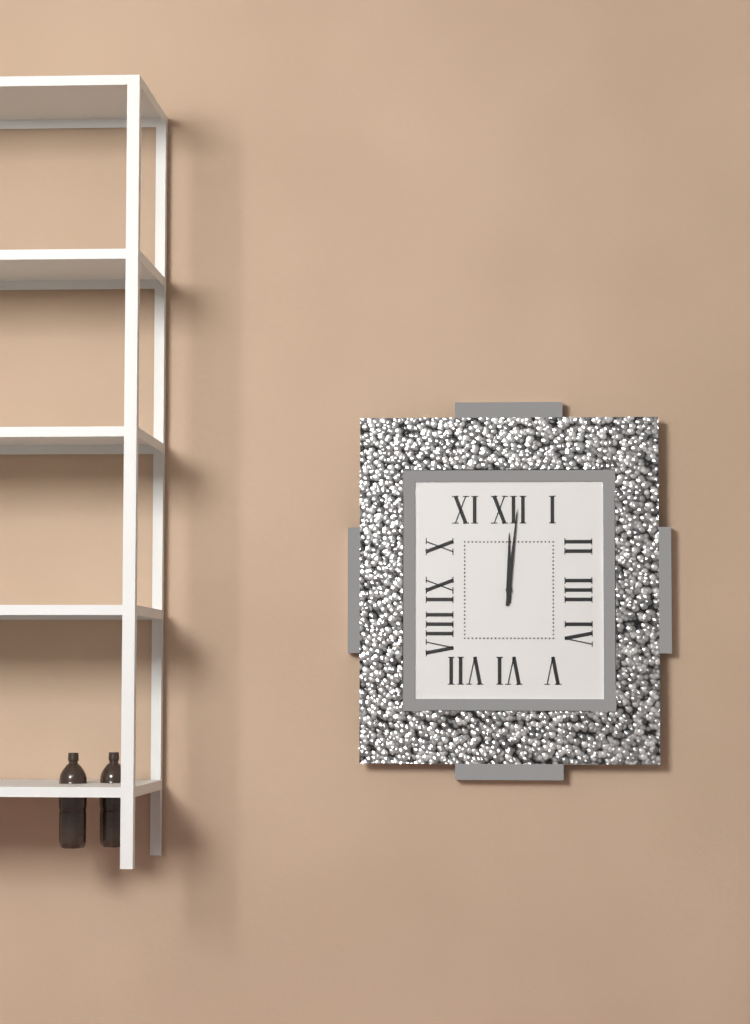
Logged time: 12:01
